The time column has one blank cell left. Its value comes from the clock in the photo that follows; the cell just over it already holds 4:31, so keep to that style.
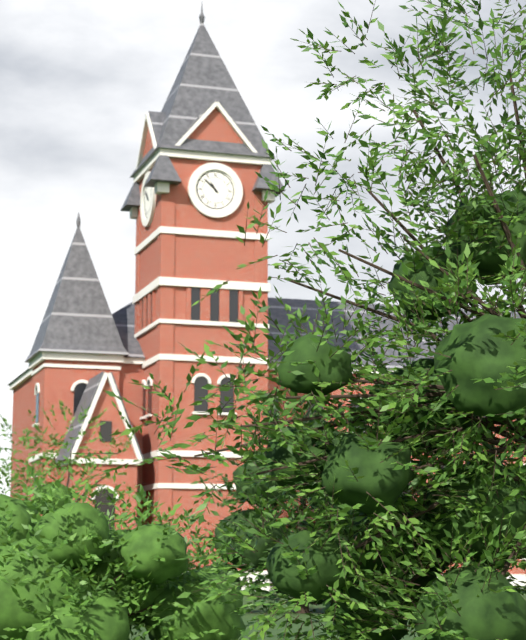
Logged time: 10:52
